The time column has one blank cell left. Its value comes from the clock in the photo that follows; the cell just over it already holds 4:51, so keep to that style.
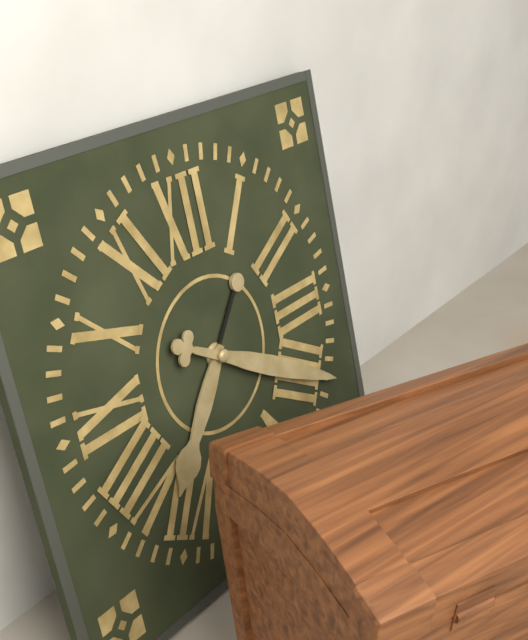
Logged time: 7:20
